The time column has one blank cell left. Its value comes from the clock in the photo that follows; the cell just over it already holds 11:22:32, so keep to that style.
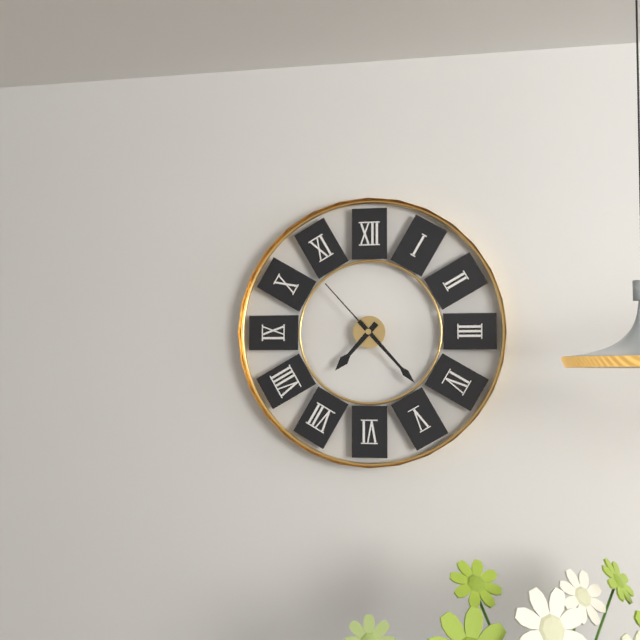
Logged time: 7:23:53
